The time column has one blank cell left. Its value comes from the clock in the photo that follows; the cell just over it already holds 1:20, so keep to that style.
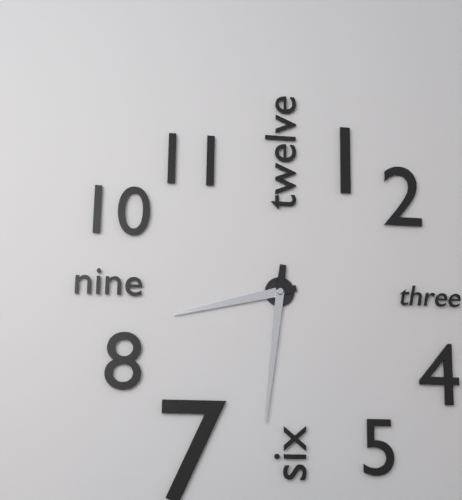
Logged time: 8:31
